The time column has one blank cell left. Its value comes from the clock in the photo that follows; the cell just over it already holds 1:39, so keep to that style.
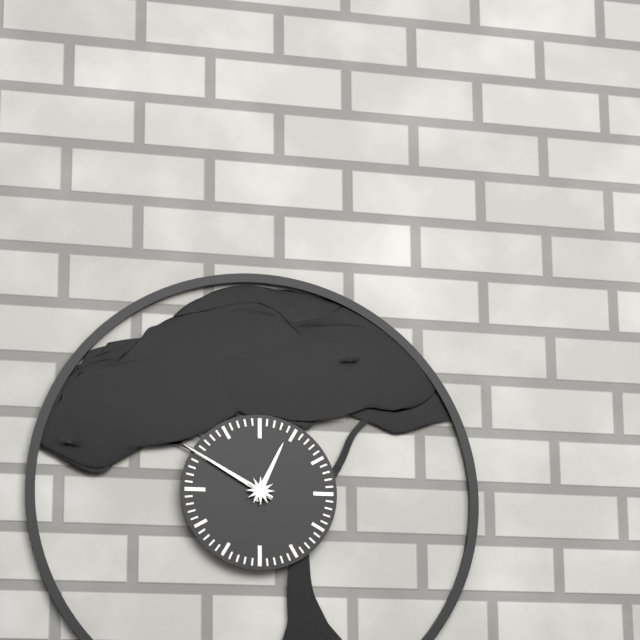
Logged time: 12:50
